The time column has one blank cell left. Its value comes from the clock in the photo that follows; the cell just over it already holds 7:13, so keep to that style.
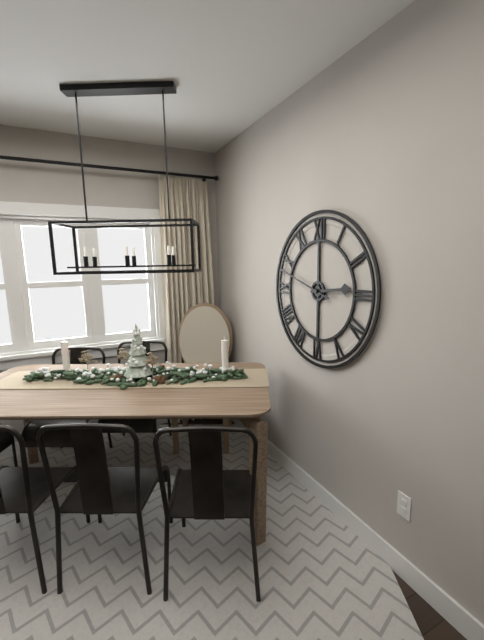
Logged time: 2:48
